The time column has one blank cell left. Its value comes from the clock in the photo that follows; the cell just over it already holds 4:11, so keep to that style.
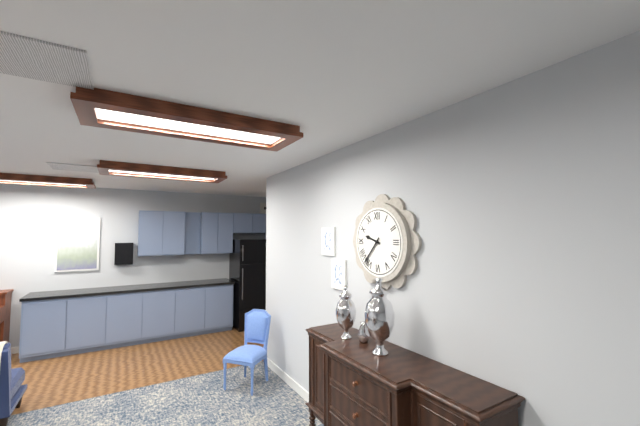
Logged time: 9:37
